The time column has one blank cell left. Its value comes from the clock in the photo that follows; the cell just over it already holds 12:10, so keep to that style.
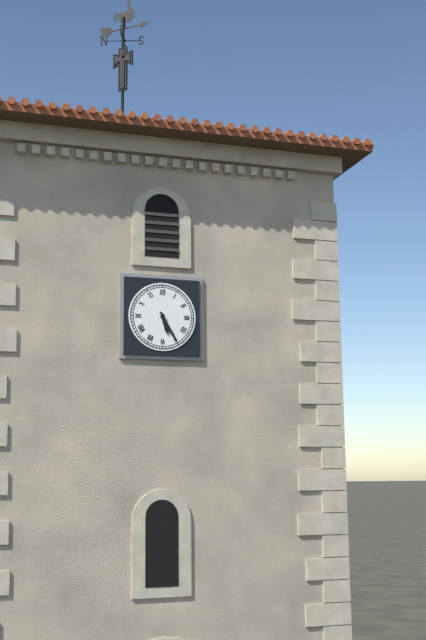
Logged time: 5:25
